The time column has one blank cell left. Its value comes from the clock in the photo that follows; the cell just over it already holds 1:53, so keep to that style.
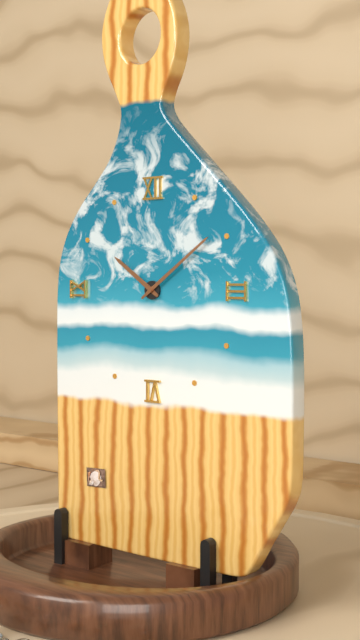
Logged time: 10:09
